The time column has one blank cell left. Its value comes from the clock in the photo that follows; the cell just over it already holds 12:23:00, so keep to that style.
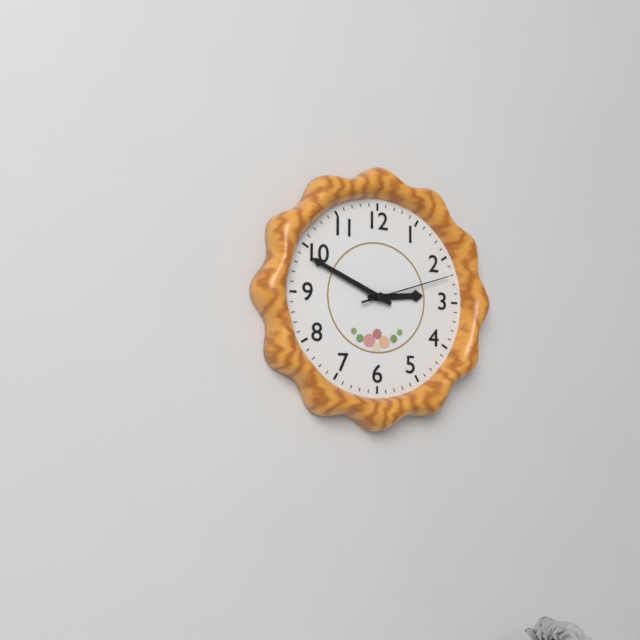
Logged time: 2:49:12
